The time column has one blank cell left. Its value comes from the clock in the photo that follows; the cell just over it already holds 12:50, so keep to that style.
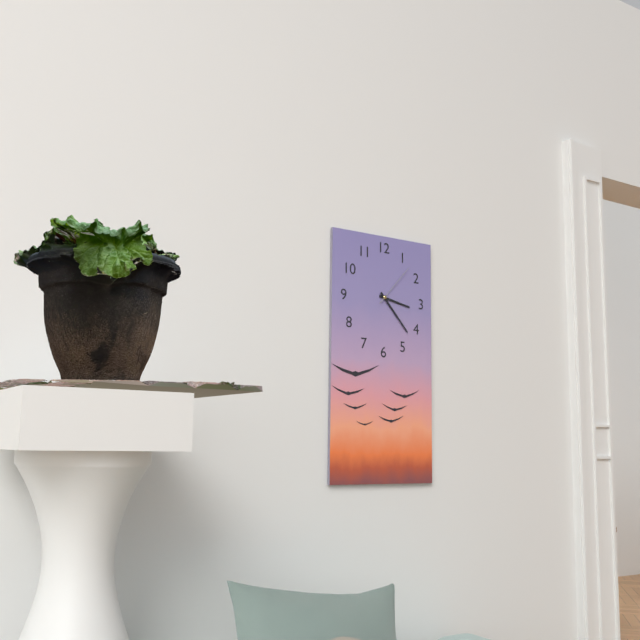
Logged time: 3:23
